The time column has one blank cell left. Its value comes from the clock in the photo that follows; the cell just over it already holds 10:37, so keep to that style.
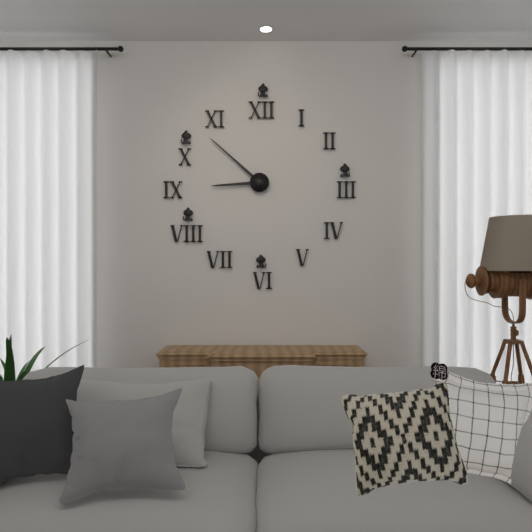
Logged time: 8:52
